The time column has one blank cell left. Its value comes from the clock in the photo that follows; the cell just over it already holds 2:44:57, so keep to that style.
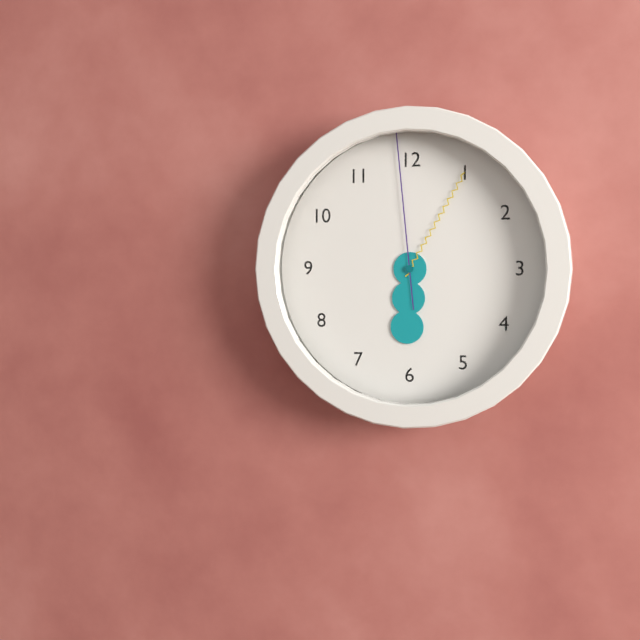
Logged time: 6:05:59
